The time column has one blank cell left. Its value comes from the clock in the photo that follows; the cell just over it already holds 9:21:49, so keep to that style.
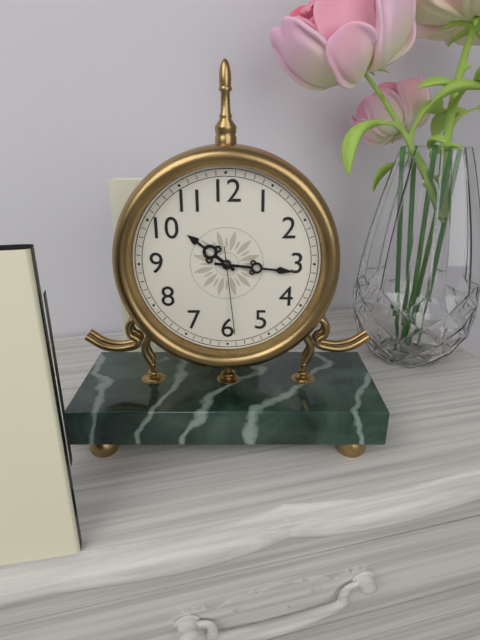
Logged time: 10:16:29
